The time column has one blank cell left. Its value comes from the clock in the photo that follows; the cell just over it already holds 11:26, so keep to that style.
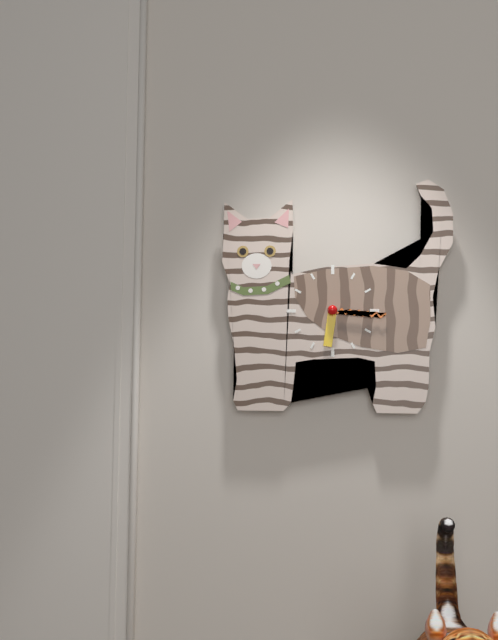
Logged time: 6:16
